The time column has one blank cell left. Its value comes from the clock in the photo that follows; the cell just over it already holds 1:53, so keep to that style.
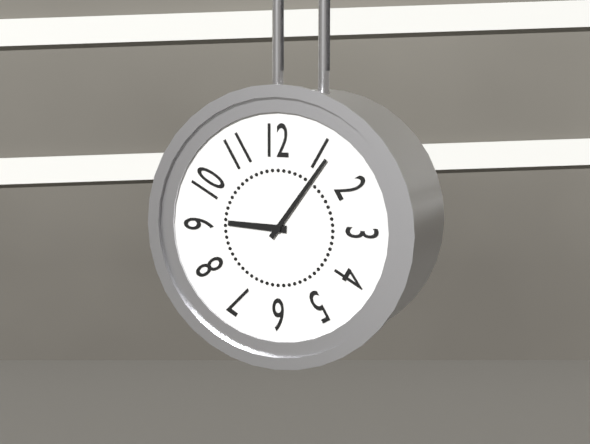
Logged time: 9:06
